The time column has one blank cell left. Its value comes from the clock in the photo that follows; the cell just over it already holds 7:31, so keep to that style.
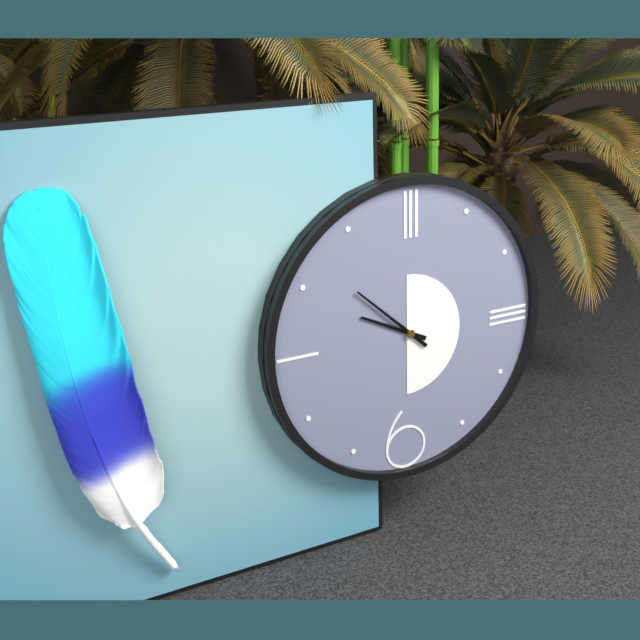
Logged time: 9:52
